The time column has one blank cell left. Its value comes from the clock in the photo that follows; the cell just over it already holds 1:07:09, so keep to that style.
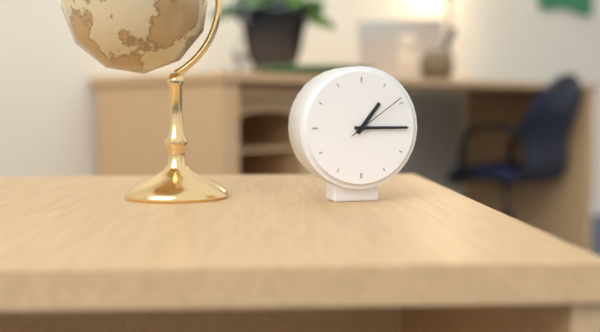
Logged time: 1:15:09
